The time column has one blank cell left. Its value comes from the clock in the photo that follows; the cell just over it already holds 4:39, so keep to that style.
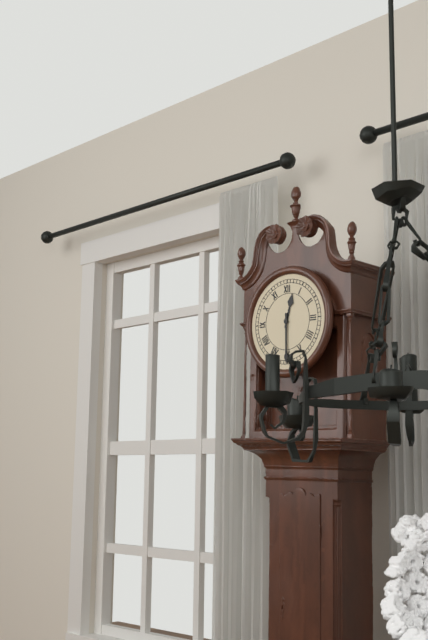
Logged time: 12:30
